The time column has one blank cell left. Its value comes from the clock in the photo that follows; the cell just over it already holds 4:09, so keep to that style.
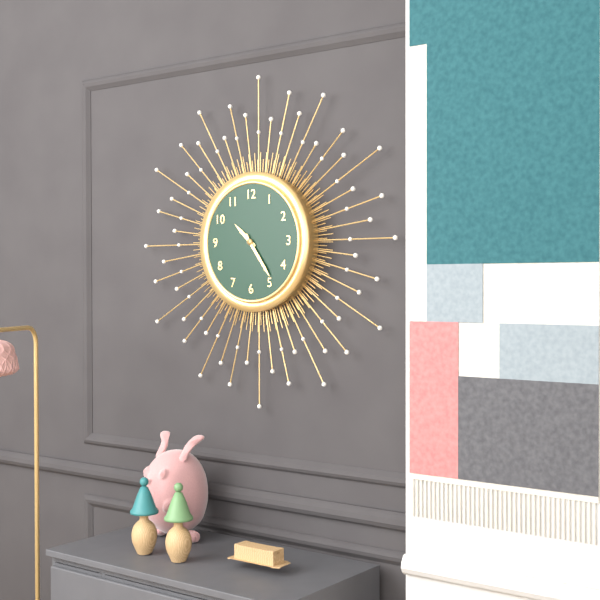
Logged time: 10:24
